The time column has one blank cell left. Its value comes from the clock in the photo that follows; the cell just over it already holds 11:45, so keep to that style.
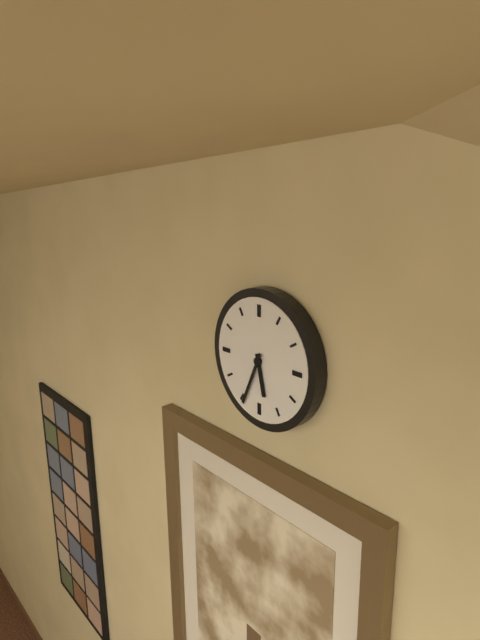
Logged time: 5:34
